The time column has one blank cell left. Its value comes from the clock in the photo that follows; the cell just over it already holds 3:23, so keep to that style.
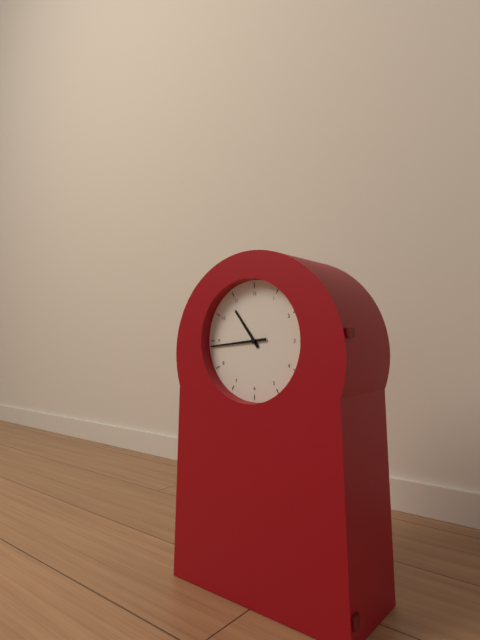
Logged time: 10:44
